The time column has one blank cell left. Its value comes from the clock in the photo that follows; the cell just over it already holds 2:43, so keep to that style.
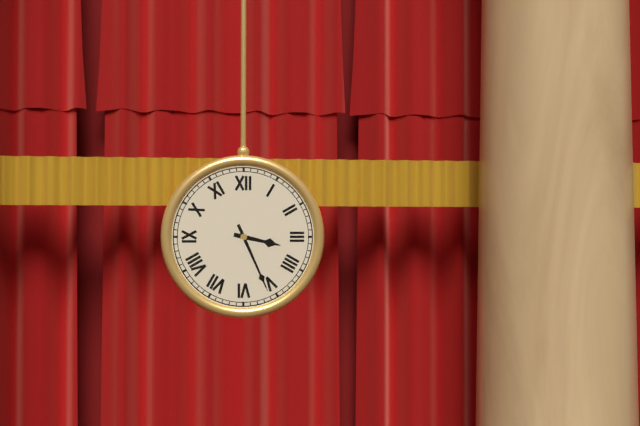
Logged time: 3:26
